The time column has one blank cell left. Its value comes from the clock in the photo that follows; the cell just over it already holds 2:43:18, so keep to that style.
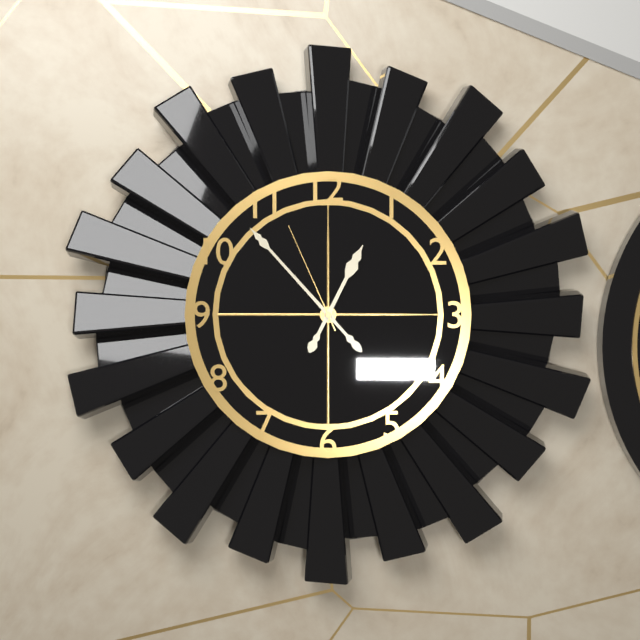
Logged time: 12:53:56
